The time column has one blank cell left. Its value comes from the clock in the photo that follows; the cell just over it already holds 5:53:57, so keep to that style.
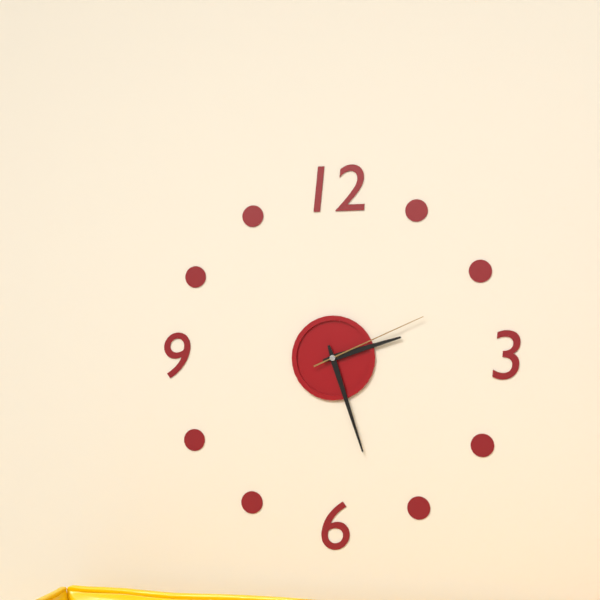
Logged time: 2:27:11
